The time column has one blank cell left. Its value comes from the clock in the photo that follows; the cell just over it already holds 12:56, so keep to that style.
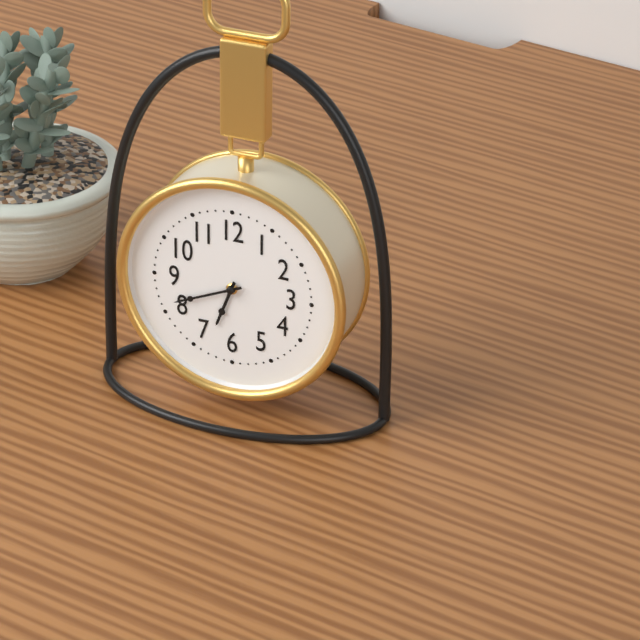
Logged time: 6:41
